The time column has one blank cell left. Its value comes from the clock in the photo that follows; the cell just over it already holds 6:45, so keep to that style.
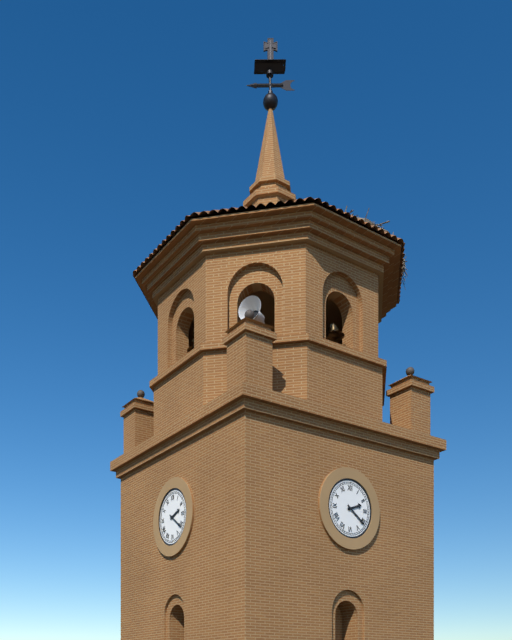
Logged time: 2:21
